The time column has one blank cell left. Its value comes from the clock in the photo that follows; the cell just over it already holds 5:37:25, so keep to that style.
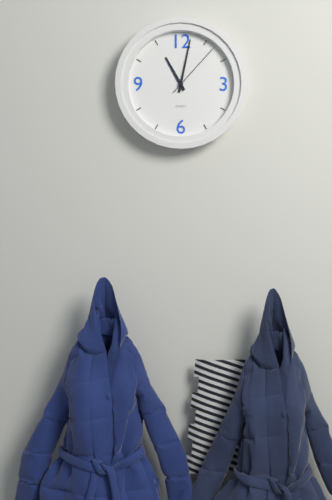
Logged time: 11:02:07
